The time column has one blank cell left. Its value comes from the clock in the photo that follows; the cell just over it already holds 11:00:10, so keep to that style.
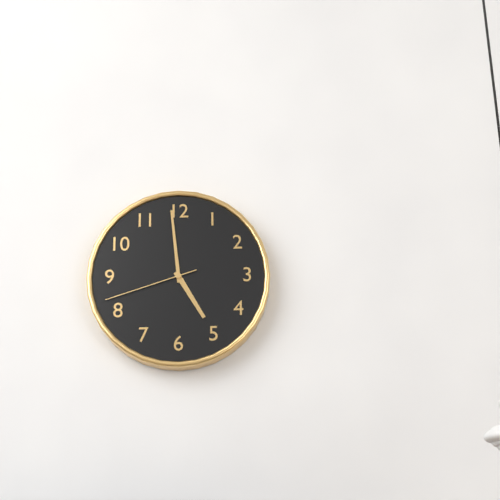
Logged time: 4:59:42
